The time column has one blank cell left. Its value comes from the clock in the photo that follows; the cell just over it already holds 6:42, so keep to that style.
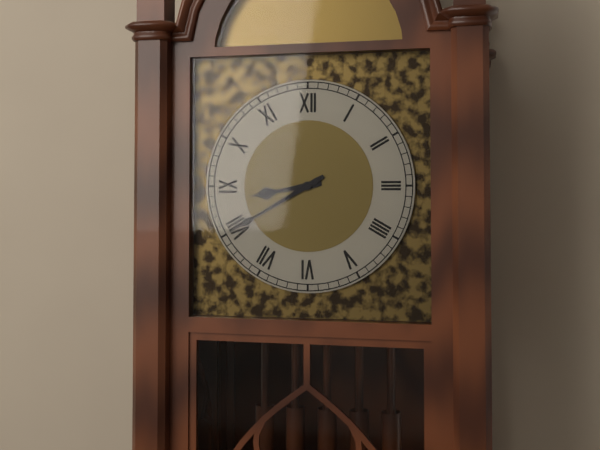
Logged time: 8:40
